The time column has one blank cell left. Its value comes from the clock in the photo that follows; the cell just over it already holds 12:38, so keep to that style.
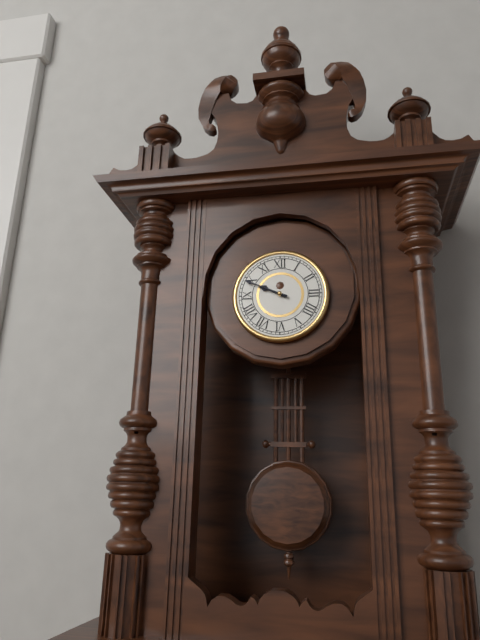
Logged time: 9:49
